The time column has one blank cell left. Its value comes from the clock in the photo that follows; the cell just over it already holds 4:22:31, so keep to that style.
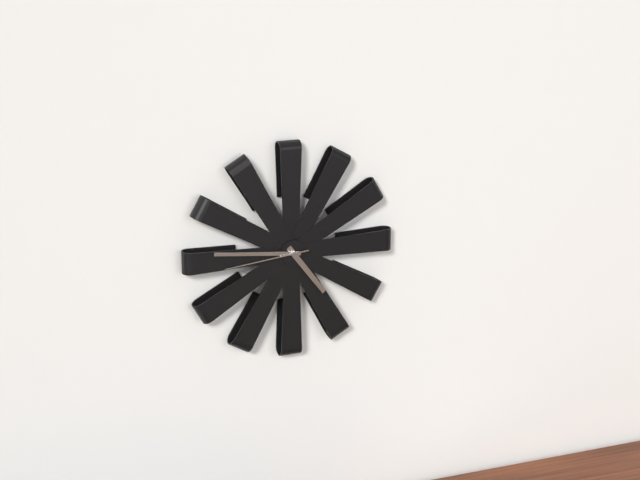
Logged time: 4:46:44
